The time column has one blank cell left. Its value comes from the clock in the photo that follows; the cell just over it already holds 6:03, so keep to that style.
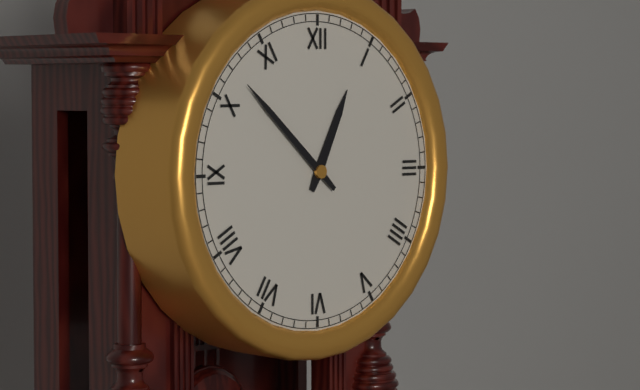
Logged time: 12:52
